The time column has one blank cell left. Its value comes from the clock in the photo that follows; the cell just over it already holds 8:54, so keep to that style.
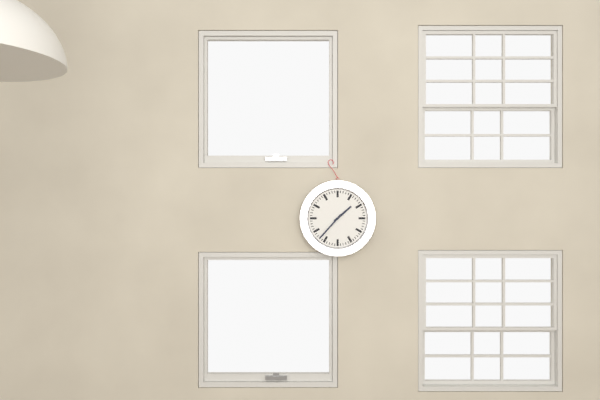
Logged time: 1:37
